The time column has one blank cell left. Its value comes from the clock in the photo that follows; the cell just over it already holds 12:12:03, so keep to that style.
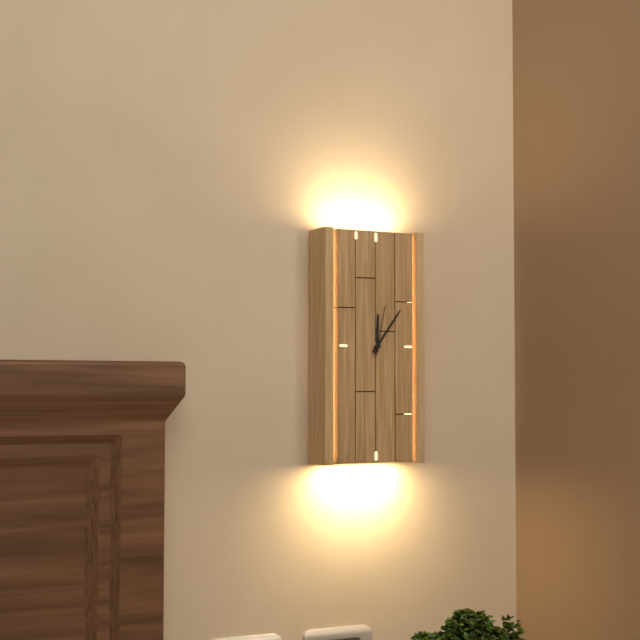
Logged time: 12:06:02
